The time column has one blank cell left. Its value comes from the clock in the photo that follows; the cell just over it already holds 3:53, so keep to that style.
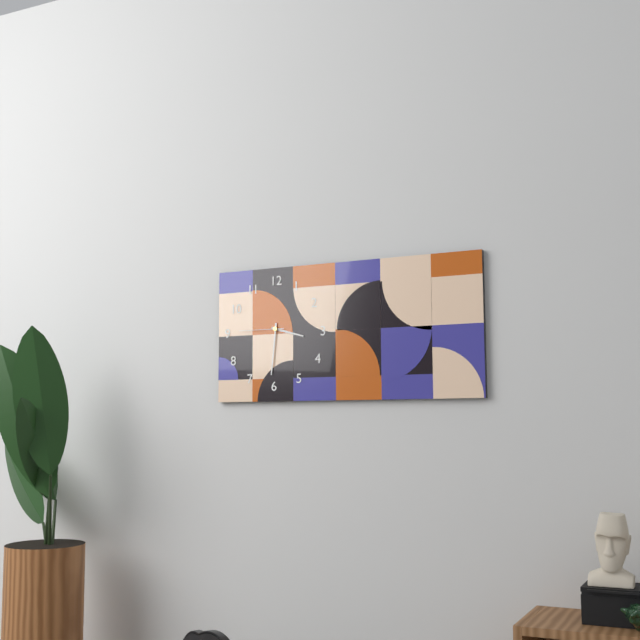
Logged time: 3:31
